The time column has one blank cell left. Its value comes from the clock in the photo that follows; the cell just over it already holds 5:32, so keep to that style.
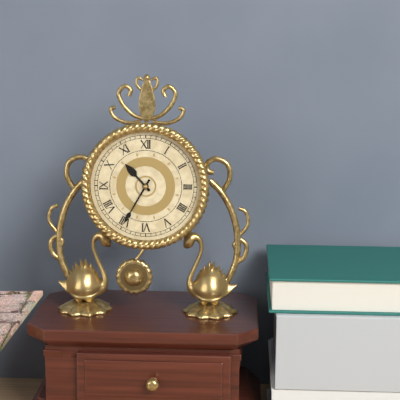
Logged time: 10:35
